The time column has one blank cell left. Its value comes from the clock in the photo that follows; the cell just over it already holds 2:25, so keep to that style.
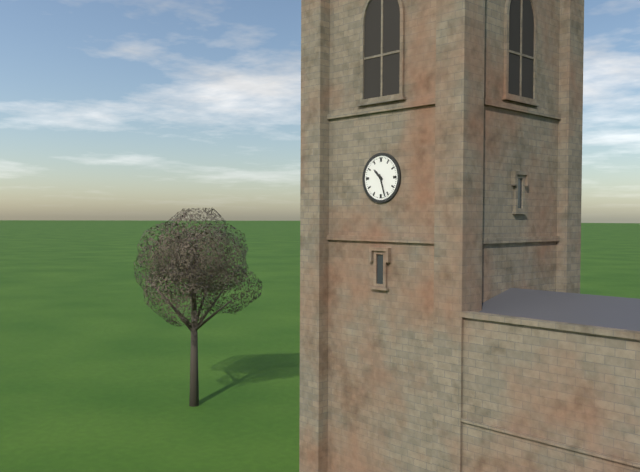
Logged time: 10:27
